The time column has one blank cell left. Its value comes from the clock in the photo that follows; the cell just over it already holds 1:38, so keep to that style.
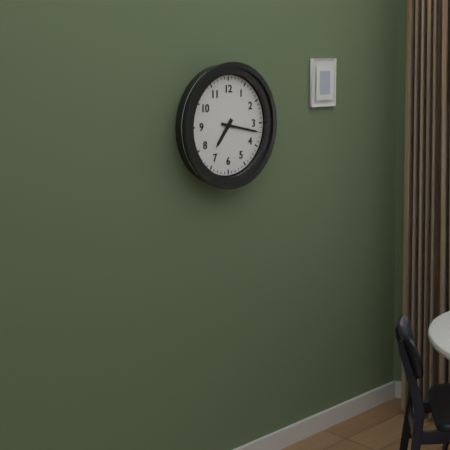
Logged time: 7:17
